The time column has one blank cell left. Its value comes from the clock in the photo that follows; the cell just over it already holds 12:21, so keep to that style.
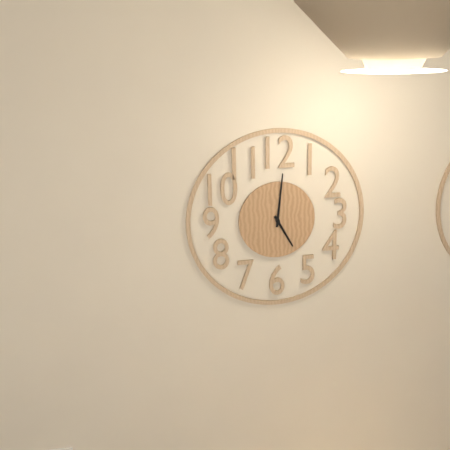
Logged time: 5:01
